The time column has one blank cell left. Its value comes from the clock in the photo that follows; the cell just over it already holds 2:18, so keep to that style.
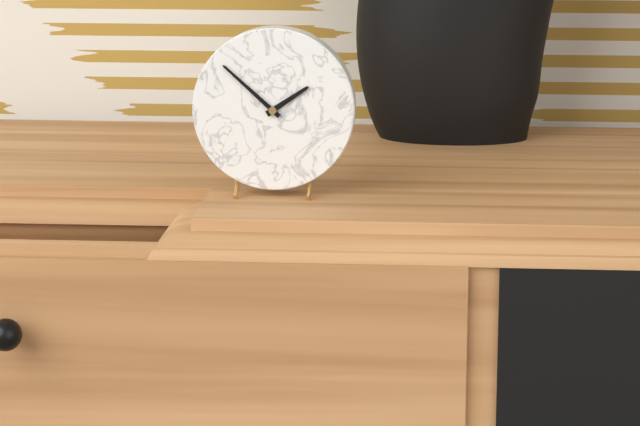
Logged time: 1:52
